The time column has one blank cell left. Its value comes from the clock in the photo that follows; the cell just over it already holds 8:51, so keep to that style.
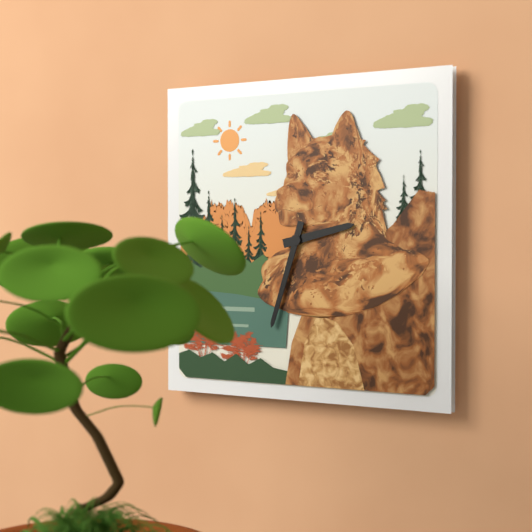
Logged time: 2:33
